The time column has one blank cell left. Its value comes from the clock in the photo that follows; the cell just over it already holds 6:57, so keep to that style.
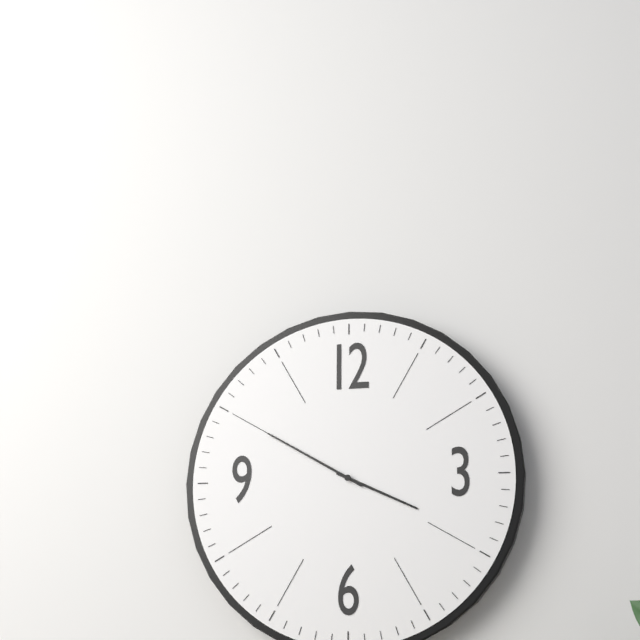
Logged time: 3:50
